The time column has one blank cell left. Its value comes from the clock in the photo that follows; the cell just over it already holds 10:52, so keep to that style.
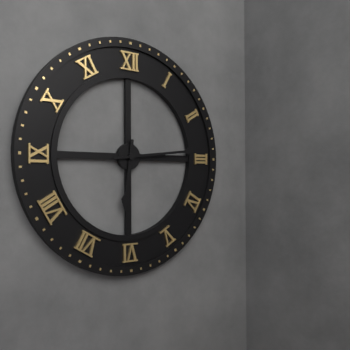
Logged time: 6:14
